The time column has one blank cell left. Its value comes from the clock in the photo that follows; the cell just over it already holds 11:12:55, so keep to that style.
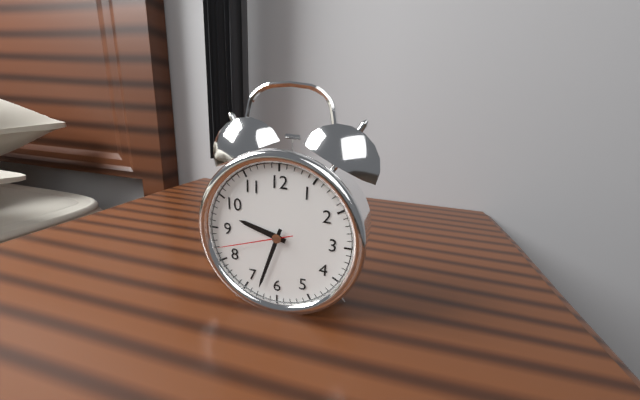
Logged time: 9:33:42
